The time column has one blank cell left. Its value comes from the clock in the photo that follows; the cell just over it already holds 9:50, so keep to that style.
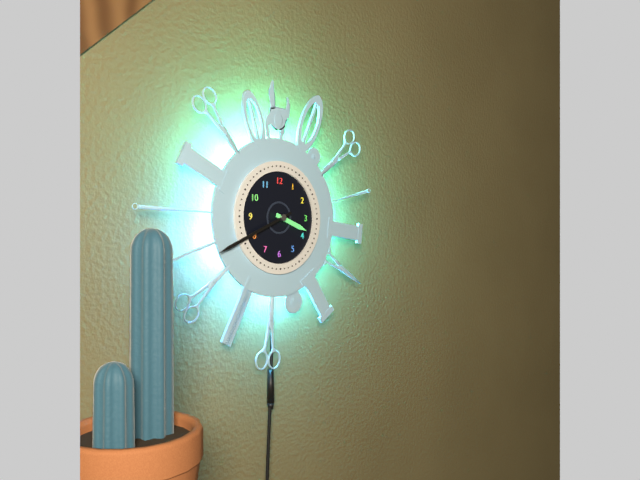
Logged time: 3:41
